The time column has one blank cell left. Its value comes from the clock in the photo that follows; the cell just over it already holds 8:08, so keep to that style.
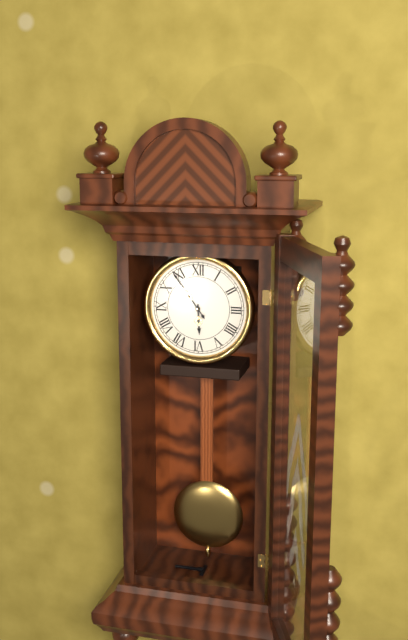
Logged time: 5:54
